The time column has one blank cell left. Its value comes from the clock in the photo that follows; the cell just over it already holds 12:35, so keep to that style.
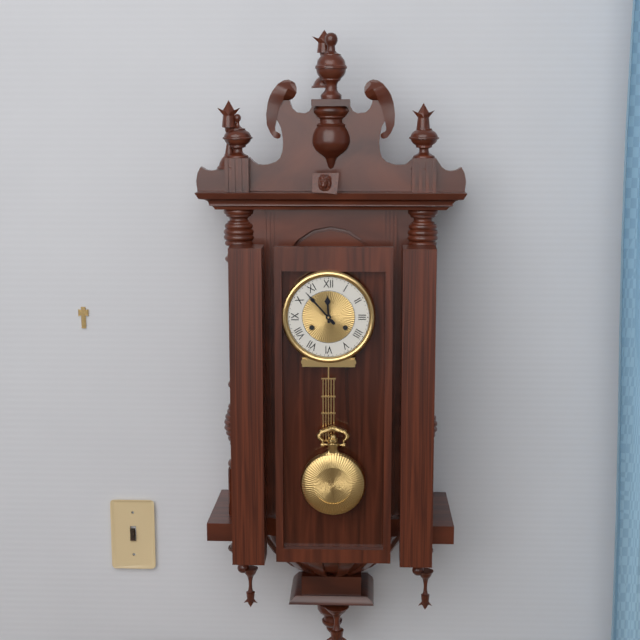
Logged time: 11:53
